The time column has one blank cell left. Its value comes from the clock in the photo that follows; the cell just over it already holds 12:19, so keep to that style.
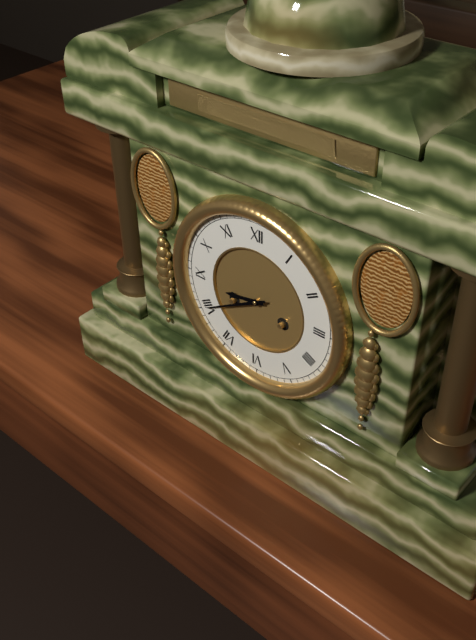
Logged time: 8:40
